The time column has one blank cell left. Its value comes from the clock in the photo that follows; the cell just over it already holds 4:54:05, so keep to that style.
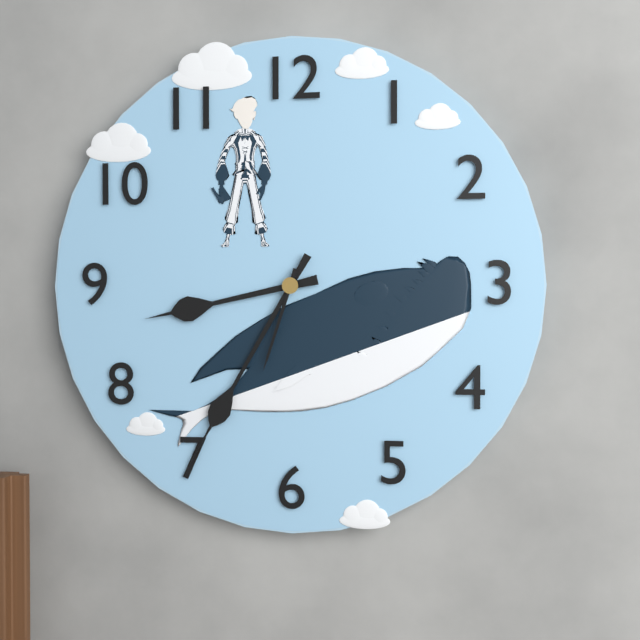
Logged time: 8:35:33
